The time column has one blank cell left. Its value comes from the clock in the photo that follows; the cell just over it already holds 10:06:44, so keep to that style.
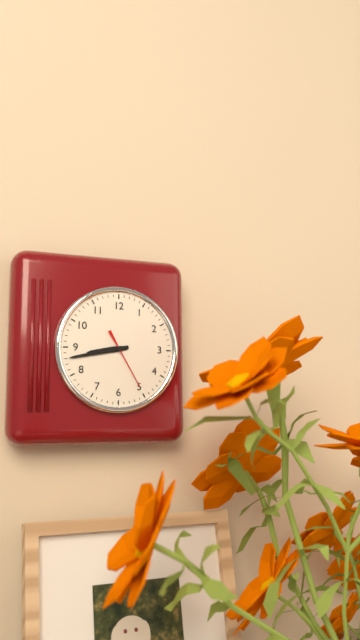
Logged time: 8:43:25
